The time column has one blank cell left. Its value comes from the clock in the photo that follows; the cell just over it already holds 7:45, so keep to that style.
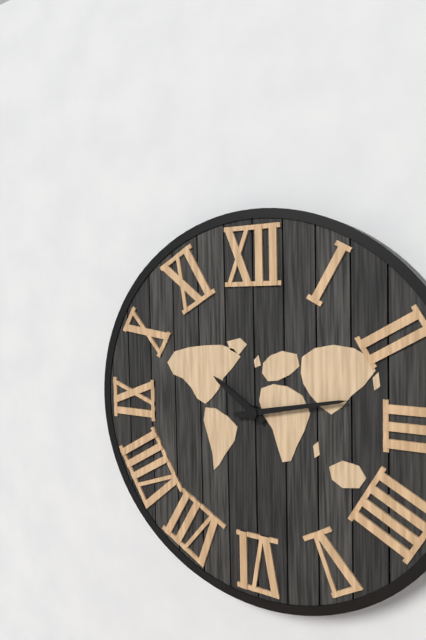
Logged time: 10:13
